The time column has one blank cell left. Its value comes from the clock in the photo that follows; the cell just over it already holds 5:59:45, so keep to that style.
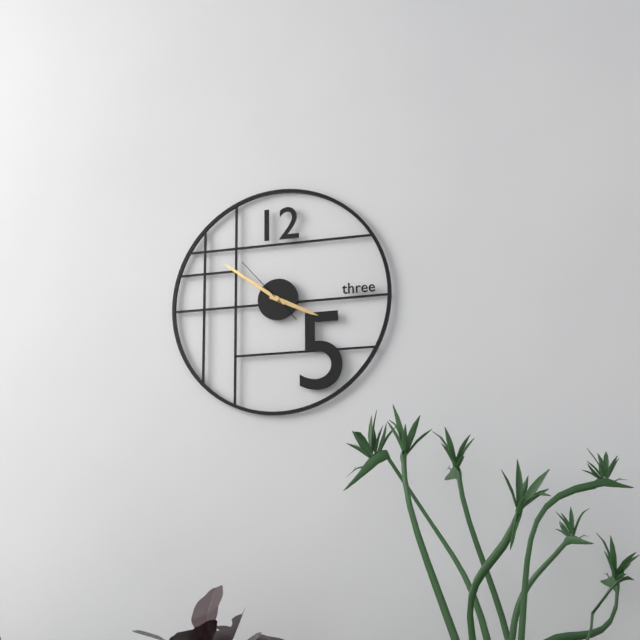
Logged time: 3:51:53
